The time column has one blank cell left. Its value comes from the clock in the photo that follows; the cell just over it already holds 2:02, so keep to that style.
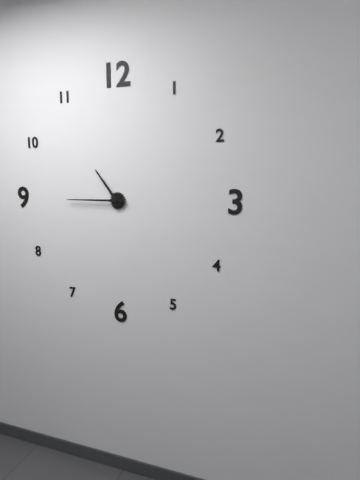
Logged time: 10:45
